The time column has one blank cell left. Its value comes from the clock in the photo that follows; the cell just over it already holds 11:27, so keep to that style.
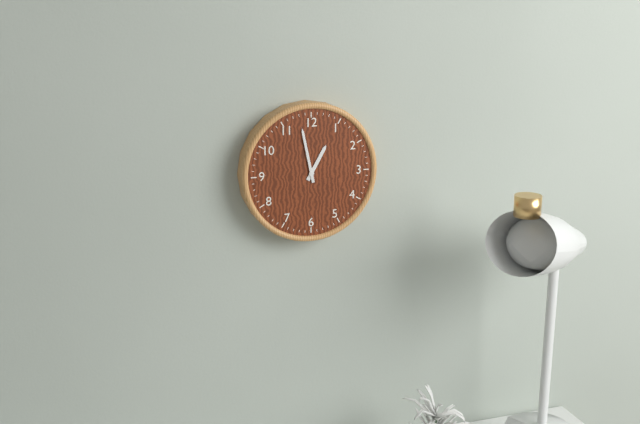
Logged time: 12:58
